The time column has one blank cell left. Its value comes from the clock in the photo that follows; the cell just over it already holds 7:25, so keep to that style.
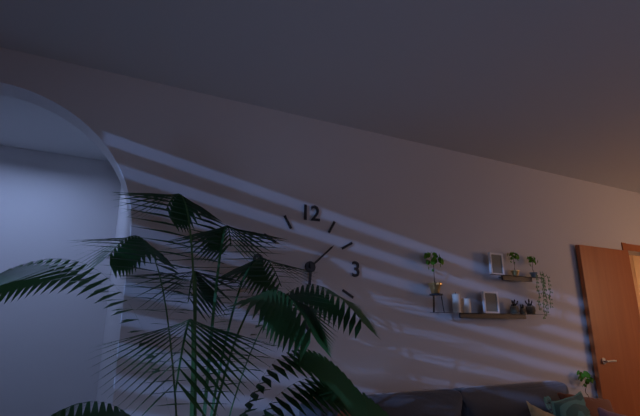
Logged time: 6:08
